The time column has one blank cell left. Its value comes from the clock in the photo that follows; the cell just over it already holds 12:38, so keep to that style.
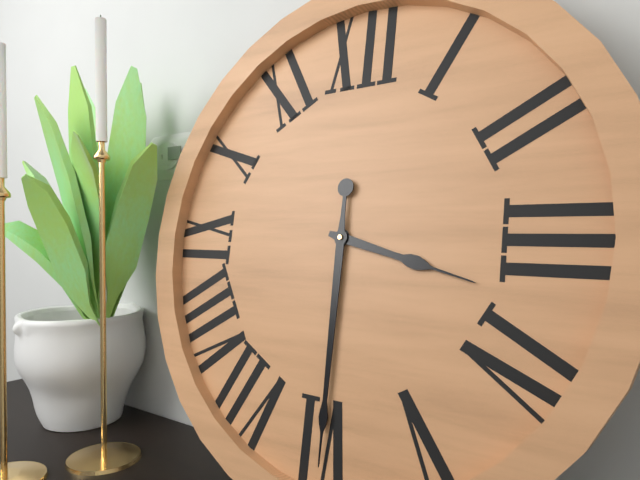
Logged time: 3:30
